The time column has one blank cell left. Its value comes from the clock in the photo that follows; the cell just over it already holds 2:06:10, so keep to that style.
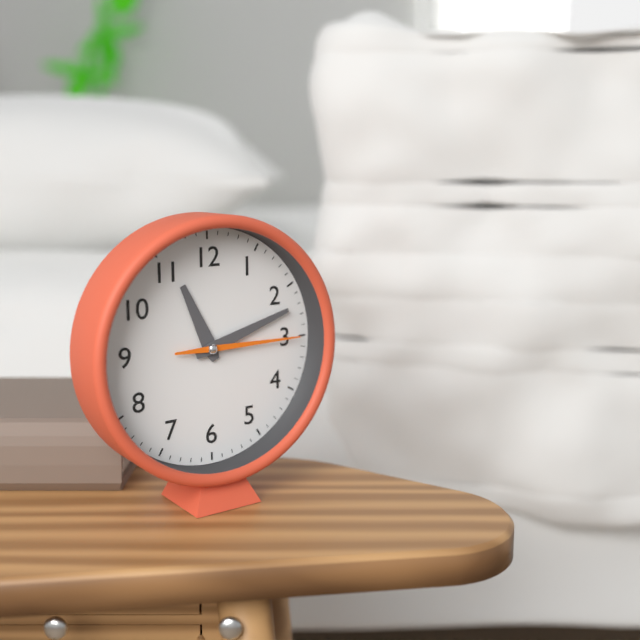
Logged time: 11:12:15
